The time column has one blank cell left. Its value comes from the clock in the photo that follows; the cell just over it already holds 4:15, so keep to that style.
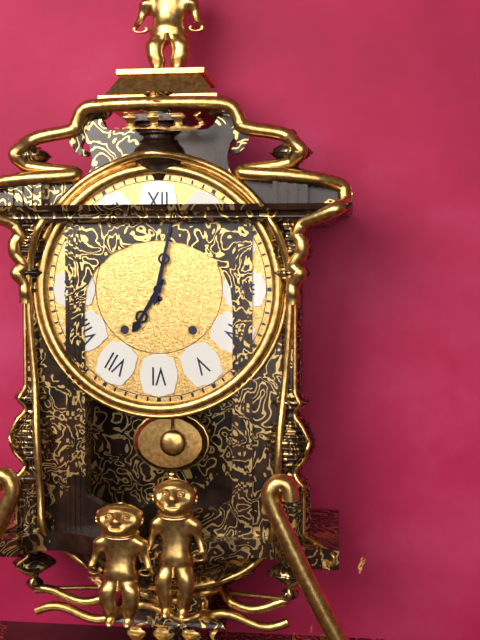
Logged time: 7:02
